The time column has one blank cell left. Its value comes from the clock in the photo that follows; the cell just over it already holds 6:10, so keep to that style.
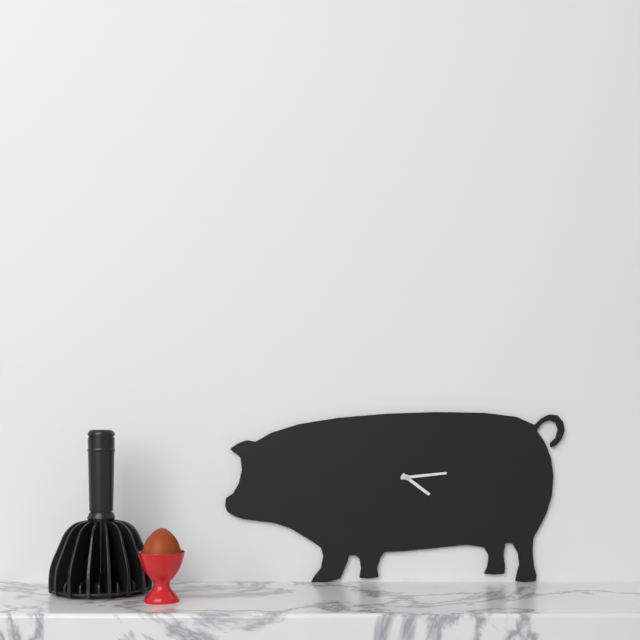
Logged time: 4:14
